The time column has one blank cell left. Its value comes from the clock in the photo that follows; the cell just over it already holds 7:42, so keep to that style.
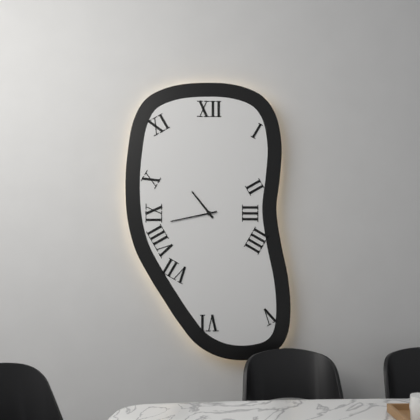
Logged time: 10:43
